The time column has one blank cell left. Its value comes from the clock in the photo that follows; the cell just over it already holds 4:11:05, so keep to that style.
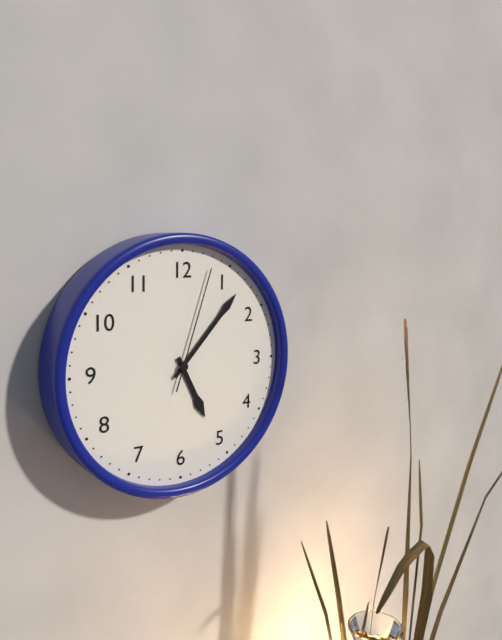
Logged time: 5:07:03
